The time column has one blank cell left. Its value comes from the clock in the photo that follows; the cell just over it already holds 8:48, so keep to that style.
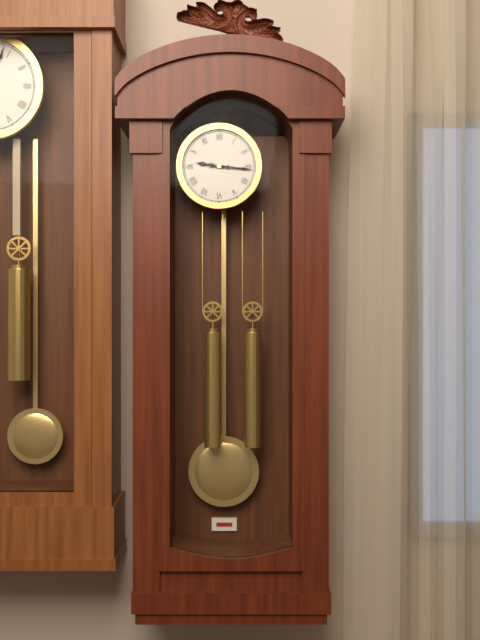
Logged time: 9:16
